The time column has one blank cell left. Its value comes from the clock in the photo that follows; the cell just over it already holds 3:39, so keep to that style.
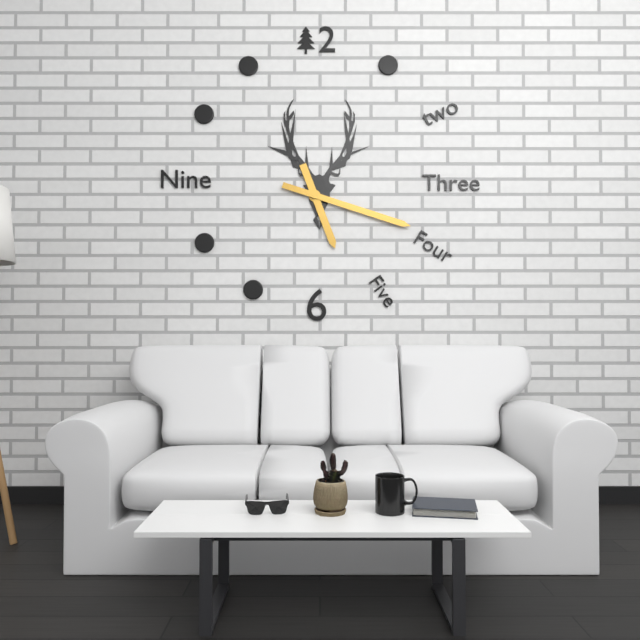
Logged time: 5:18
